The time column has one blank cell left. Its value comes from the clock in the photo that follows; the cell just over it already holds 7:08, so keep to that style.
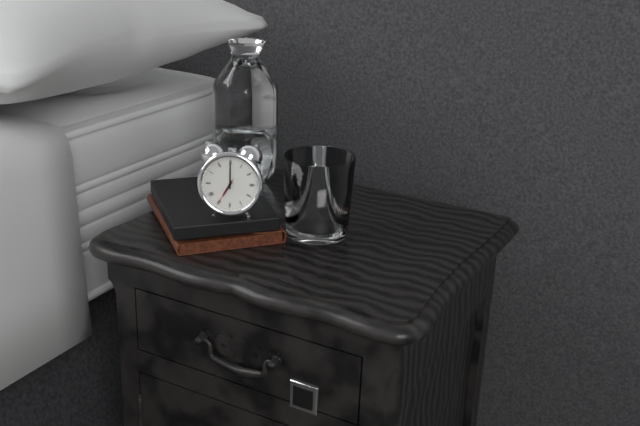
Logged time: 7:00
